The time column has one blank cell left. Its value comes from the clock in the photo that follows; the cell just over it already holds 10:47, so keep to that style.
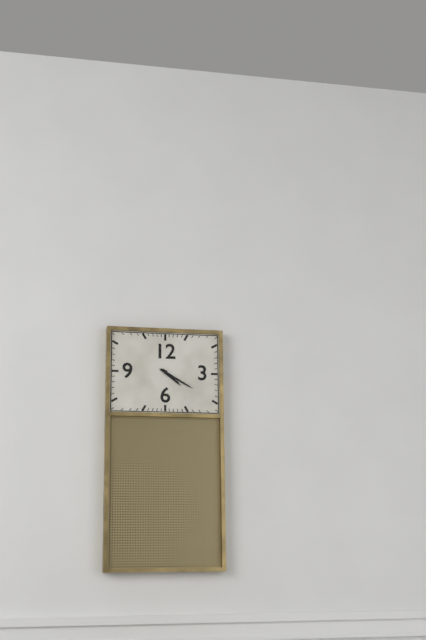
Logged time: 4:20
